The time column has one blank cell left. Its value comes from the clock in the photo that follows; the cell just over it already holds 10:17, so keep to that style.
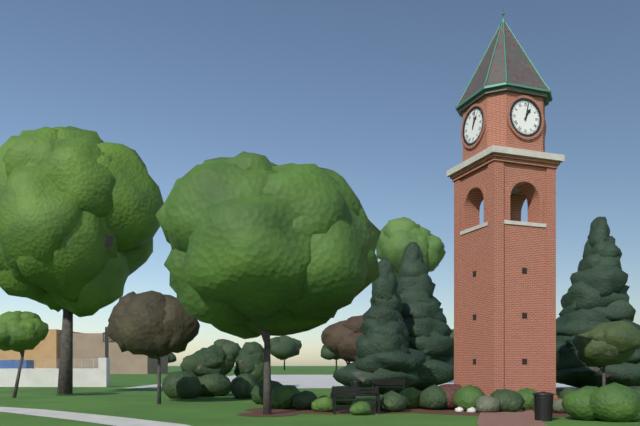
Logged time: 1:02
